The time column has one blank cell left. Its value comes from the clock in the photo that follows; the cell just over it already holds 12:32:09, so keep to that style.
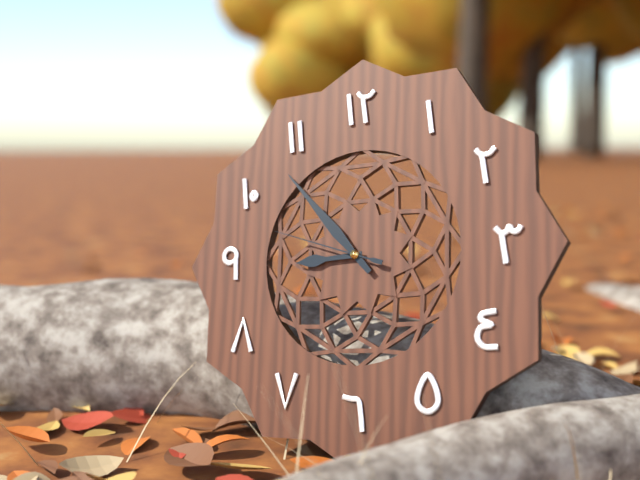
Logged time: 8:53:48
